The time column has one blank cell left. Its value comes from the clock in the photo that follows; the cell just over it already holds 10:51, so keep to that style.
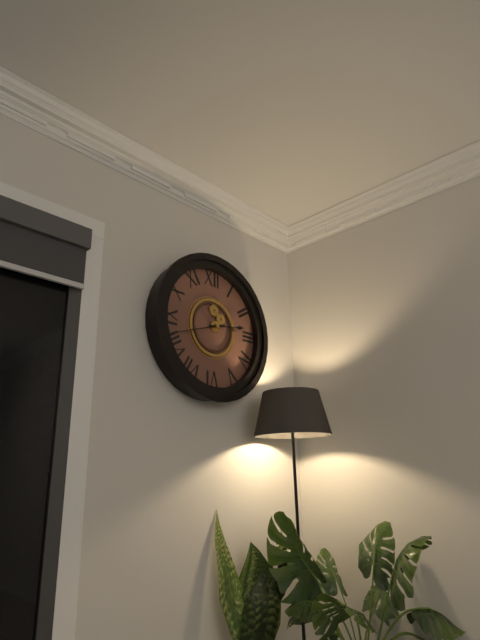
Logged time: 2:42
